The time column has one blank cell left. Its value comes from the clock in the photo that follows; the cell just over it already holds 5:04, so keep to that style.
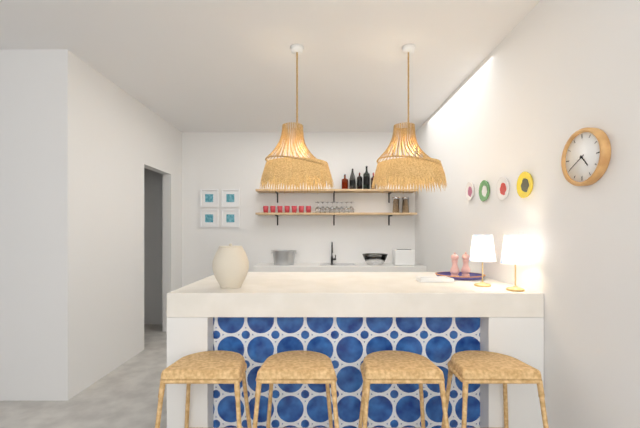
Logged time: 4:40
